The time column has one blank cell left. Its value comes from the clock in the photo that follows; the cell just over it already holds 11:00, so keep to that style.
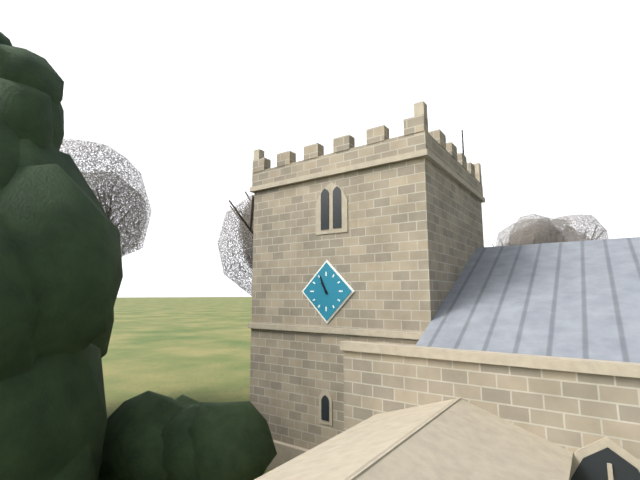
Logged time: 10:56
